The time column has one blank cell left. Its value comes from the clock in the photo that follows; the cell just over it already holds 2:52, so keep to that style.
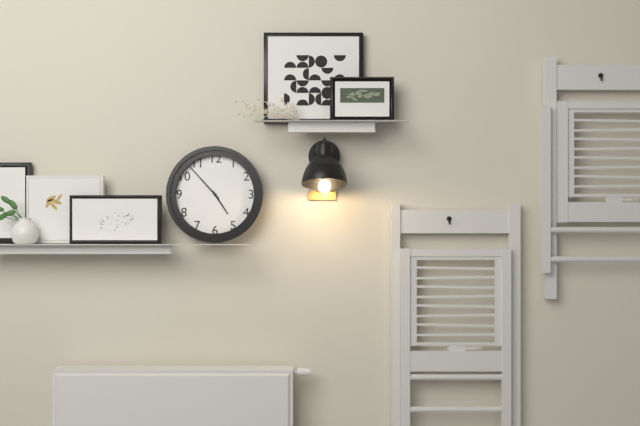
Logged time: 4:53
